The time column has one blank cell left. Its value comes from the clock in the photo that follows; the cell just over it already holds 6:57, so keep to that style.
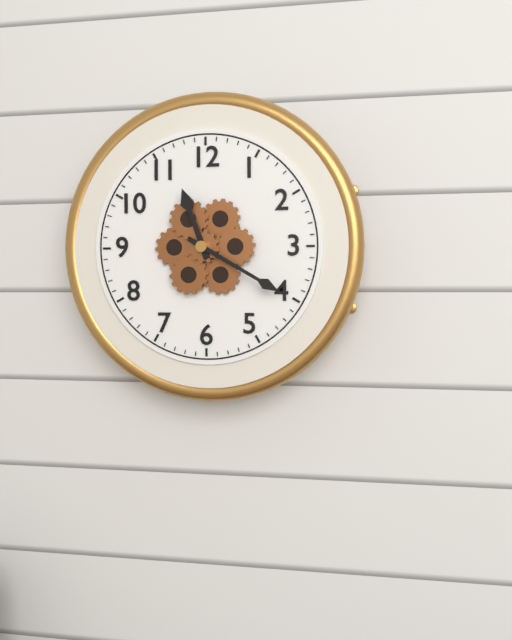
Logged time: 11:20
